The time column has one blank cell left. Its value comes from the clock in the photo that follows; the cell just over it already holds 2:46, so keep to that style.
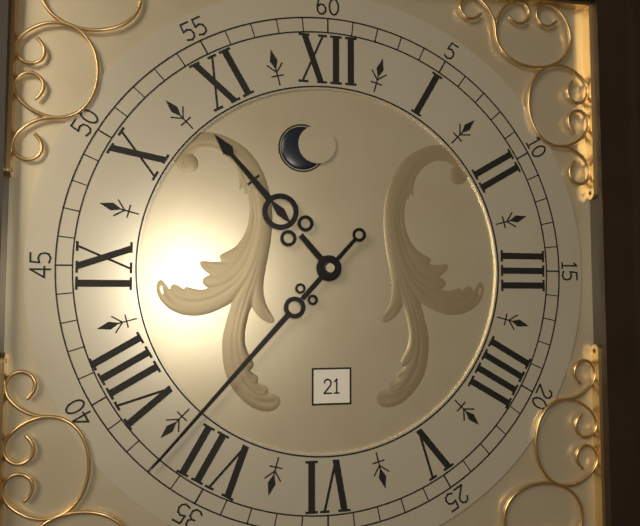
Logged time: 10:37
